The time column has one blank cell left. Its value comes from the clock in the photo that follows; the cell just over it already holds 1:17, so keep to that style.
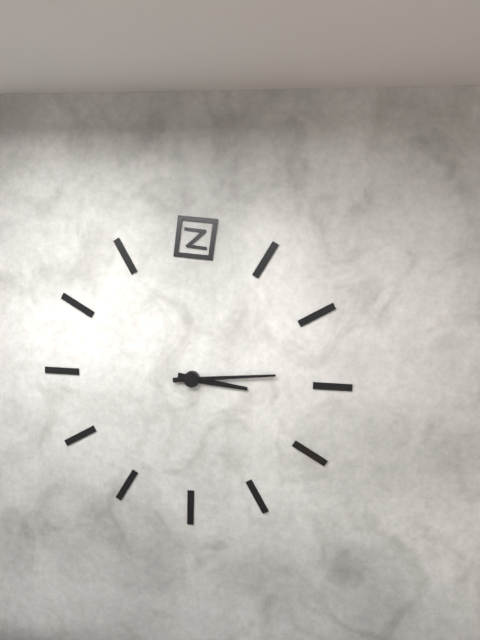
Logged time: 3:14
